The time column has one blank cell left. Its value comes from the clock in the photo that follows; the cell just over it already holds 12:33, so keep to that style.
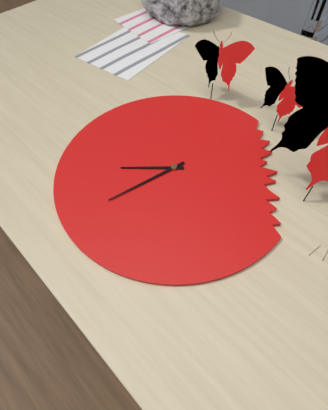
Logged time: 7:32
